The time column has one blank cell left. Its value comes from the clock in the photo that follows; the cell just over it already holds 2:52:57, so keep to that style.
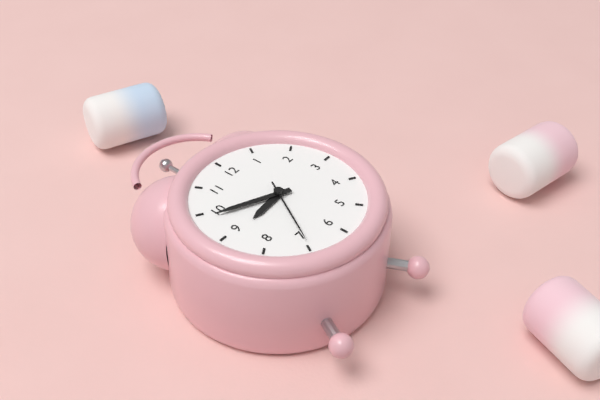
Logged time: 8:49:35
